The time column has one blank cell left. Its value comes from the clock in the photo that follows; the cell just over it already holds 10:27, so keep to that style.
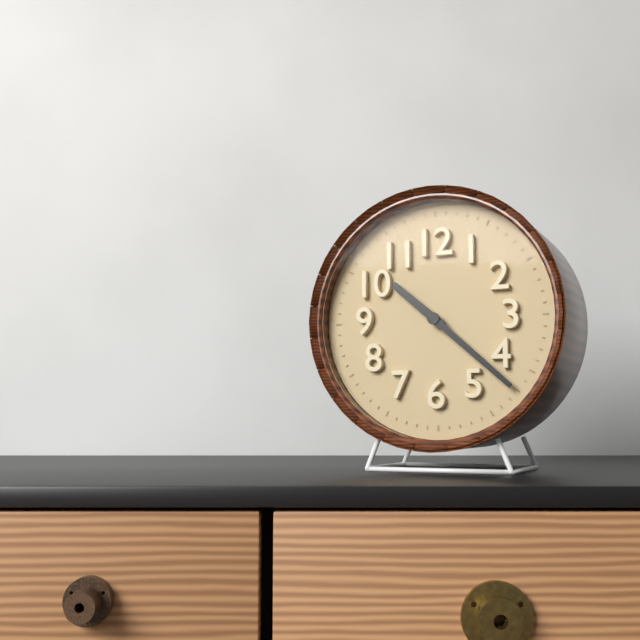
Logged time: 10:22
